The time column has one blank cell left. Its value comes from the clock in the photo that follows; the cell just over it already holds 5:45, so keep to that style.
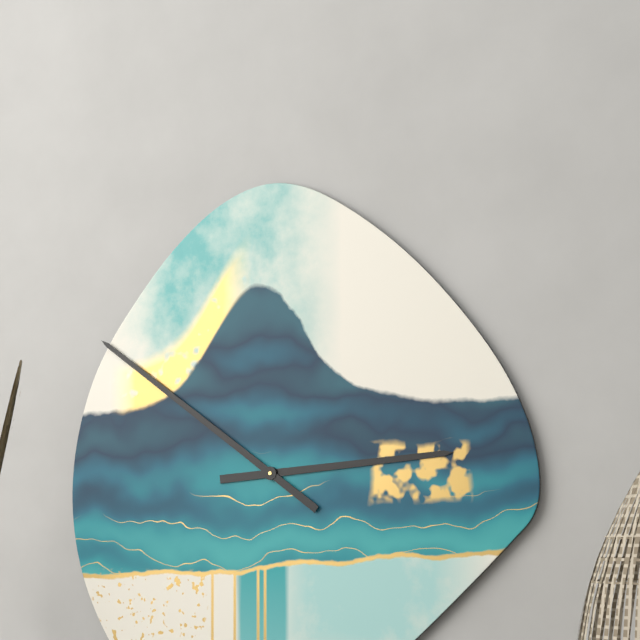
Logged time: 2:51
